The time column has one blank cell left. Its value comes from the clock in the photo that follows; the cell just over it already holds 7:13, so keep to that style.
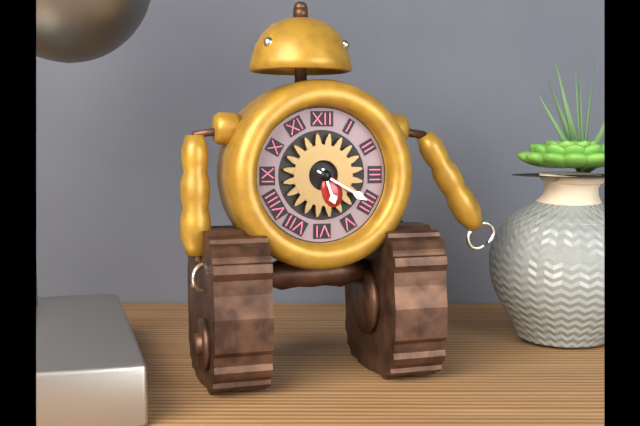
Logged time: 5:20
